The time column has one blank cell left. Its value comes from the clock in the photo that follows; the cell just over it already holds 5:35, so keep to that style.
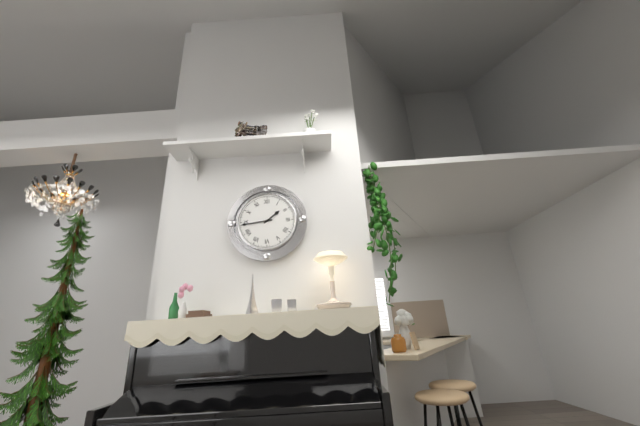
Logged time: 1:44
